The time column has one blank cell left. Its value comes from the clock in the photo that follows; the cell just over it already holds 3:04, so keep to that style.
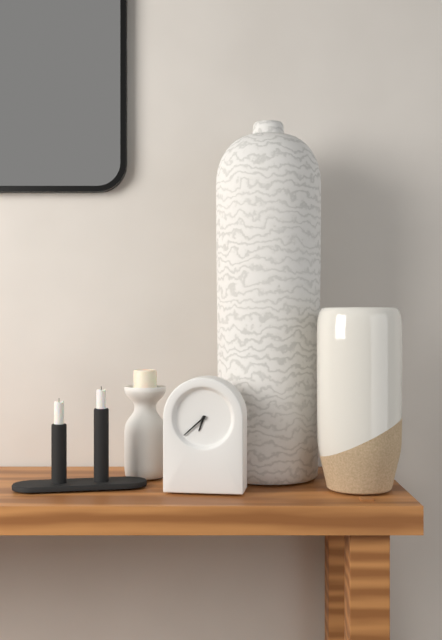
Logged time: 6:38
